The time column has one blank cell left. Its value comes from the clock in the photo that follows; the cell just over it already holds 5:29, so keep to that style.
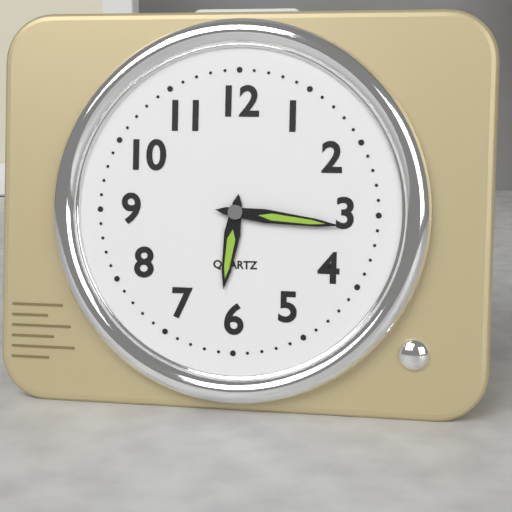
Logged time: 6:16
